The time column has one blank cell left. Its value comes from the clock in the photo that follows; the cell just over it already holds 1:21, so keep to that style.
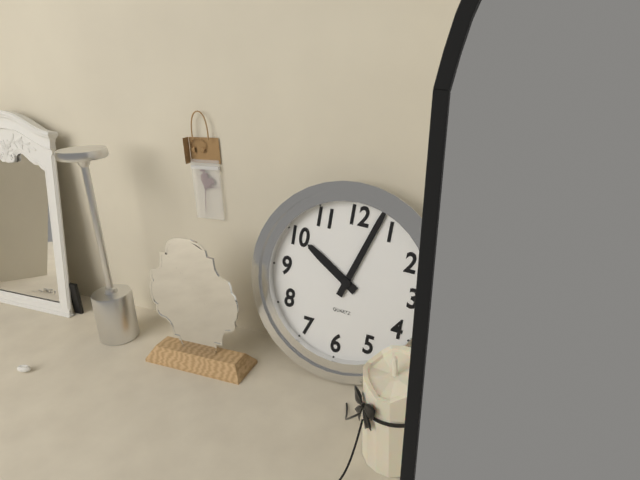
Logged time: 10:03
